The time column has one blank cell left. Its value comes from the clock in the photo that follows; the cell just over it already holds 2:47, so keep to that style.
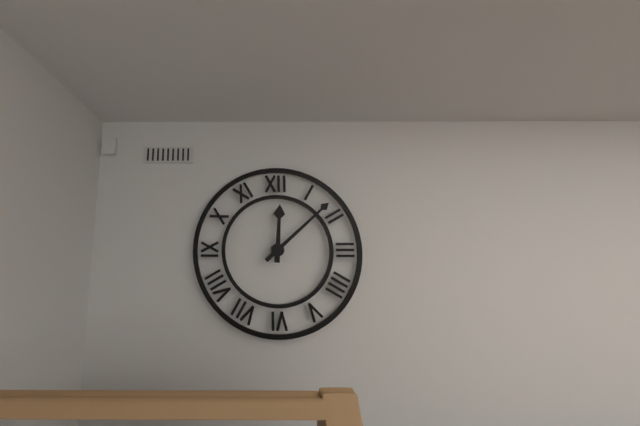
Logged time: 12:08
